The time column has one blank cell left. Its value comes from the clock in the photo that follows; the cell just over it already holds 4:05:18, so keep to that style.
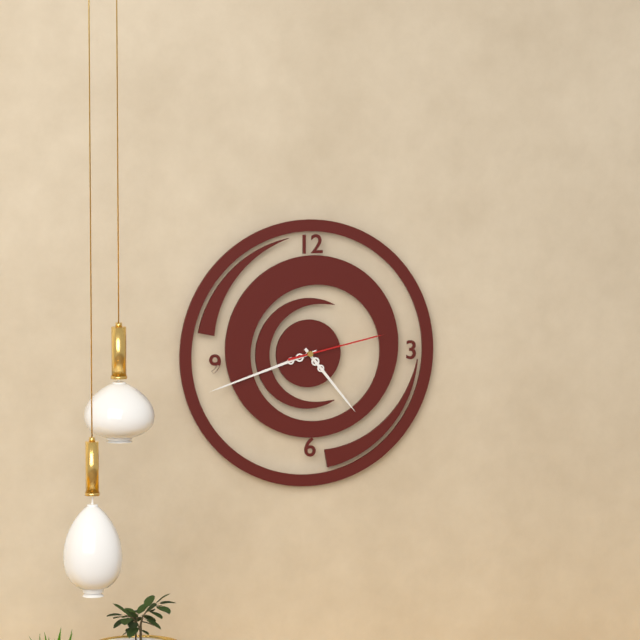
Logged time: 4:42:13
